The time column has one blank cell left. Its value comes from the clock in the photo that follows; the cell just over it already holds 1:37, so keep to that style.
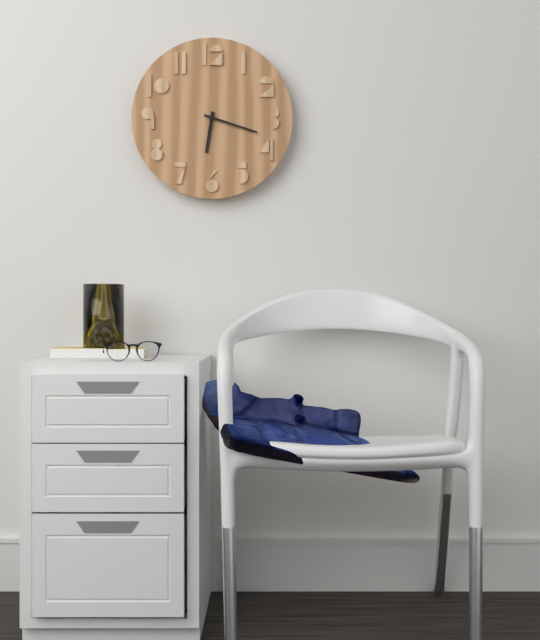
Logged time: 6:18
